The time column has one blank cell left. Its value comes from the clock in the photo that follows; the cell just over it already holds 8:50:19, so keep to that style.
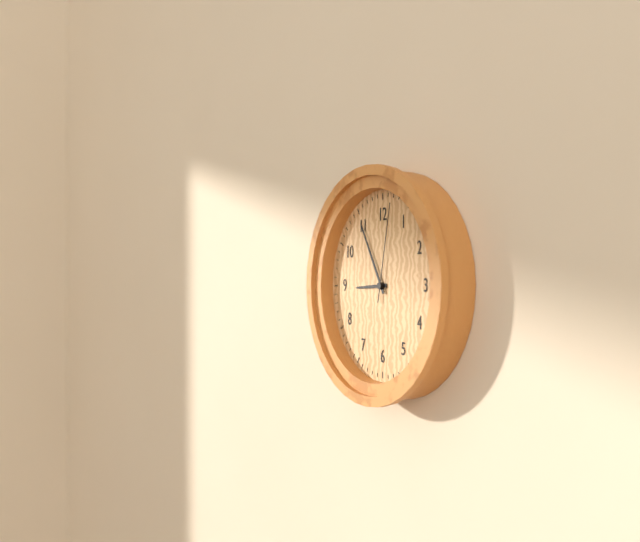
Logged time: 8:55:02
